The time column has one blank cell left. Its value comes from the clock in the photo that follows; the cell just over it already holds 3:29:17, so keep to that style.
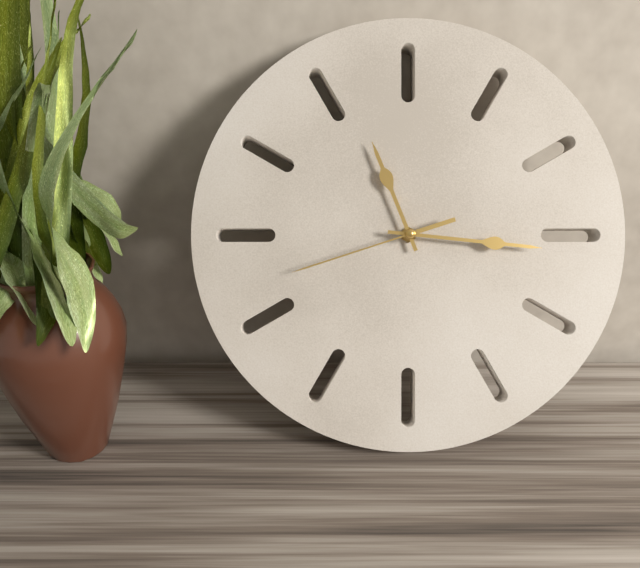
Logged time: 11:16:42
